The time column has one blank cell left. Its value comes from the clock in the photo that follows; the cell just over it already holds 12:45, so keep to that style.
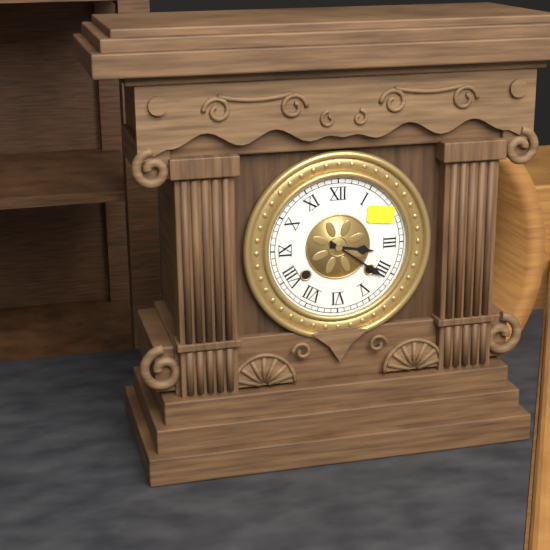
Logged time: 3:21
